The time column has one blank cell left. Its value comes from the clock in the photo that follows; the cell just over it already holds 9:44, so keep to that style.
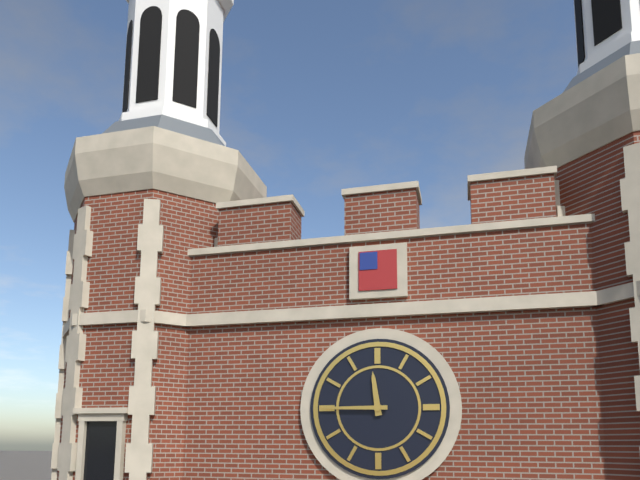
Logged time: 11:45
